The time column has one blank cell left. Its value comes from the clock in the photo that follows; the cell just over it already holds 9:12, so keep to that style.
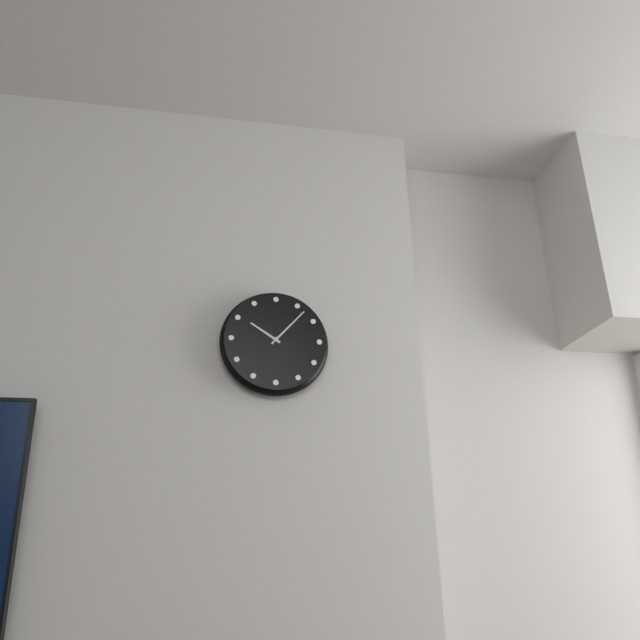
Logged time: 10:07
